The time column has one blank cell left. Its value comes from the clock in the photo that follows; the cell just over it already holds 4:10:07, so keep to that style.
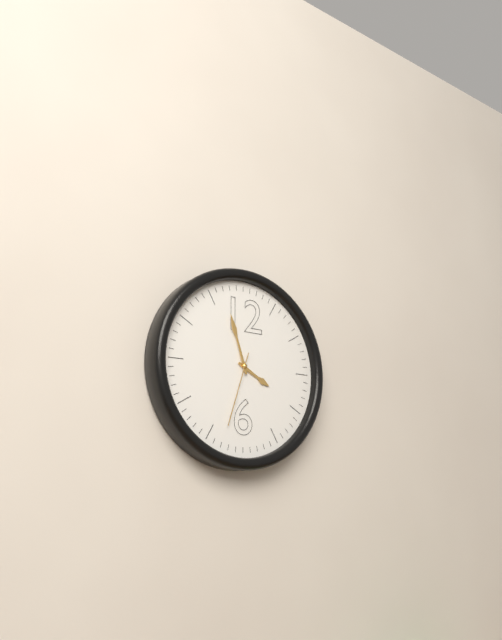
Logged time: 3:57:33
